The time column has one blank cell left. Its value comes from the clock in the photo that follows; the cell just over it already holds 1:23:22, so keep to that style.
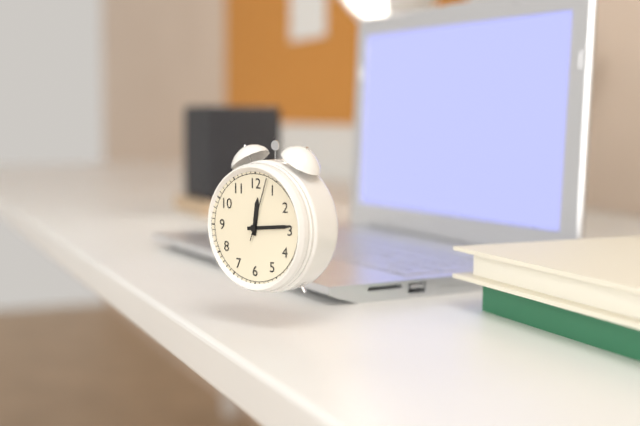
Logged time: 12:14:03
